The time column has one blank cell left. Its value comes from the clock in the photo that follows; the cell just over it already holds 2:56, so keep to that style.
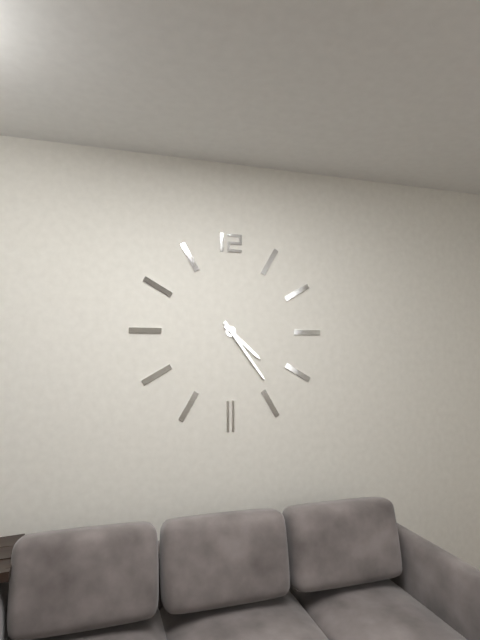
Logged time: 4:24
